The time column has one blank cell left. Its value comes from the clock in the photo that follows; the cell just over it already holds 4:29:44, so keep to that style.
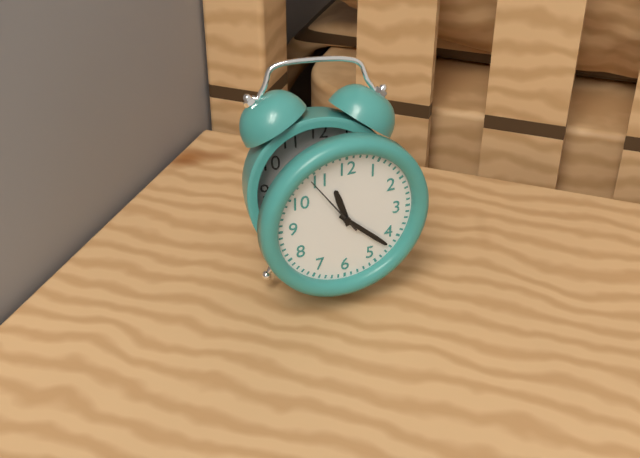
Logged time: 11:22:54
